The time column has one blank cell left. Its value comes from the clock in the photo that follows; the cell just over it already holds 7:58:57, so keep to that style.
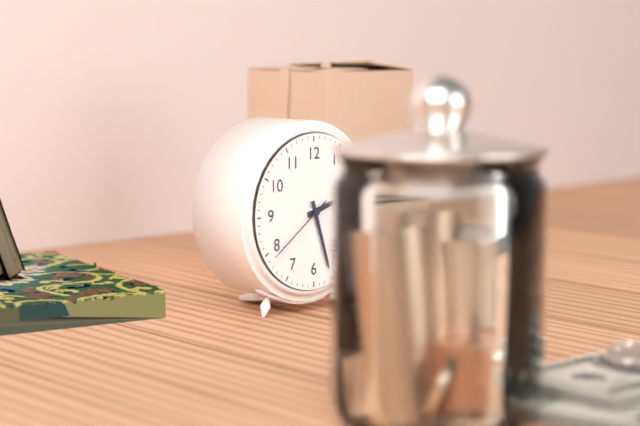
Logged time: 2:27:39
